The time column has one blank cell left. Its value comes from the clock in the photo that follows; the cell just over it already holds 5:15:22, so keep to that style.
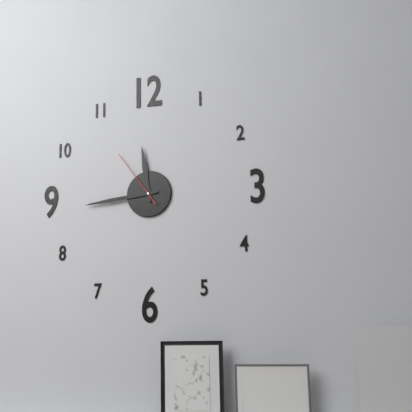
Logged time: 11:44:54
